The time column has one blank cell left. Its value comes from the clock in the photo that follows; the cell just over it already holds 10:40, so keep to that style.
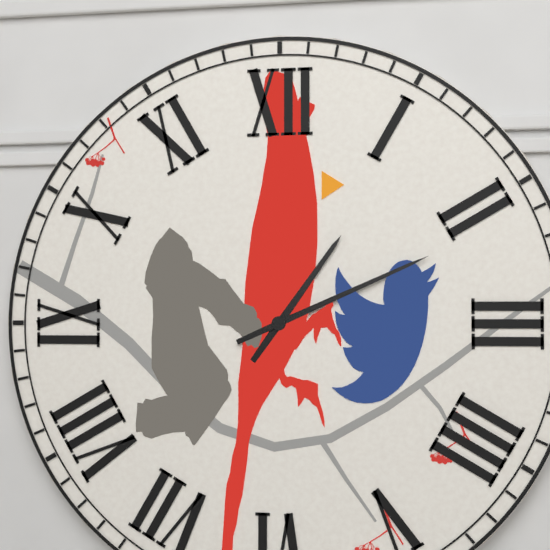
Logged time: 1:11
